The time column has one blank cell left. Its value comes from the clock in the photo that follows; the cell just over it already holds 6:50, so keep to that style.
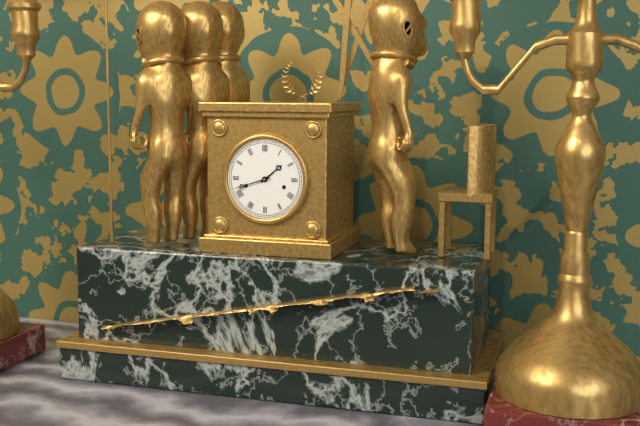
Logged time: 1:42
